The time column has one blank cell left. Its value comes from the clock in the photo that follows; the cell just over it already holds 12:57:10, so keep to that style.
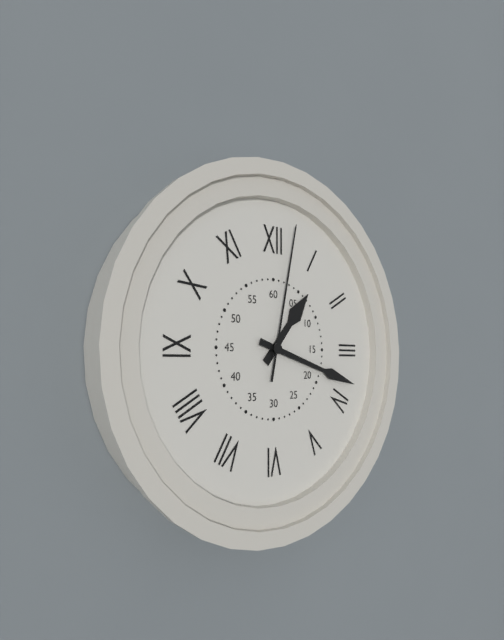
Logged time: 1:18:02
